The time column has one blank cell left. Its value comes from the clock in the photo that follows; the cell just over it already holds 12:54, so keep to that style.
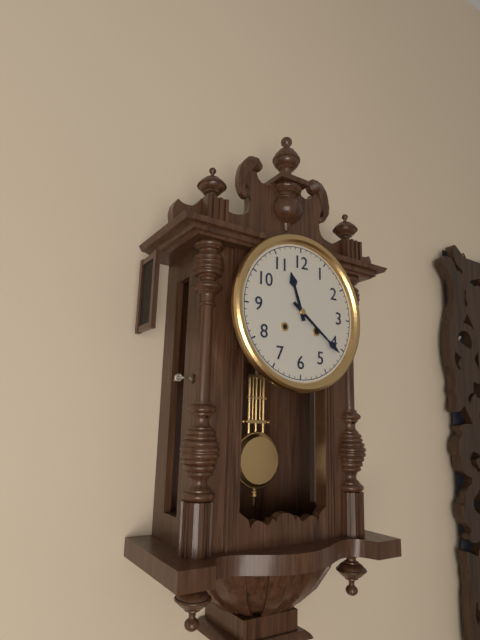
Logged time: 11:21
